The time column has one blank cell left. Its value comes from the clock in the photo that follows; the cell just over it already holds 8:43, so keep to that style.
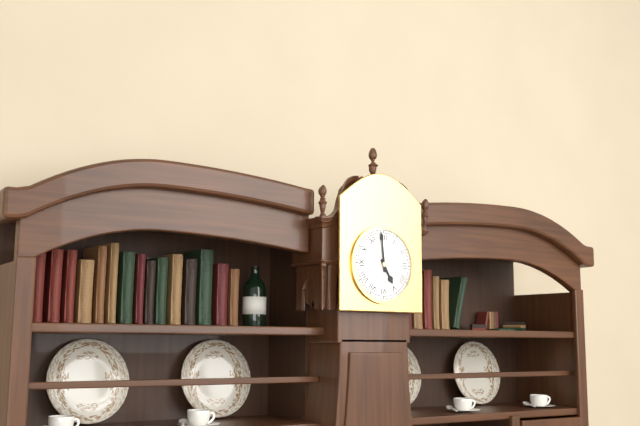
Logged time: 4:59
